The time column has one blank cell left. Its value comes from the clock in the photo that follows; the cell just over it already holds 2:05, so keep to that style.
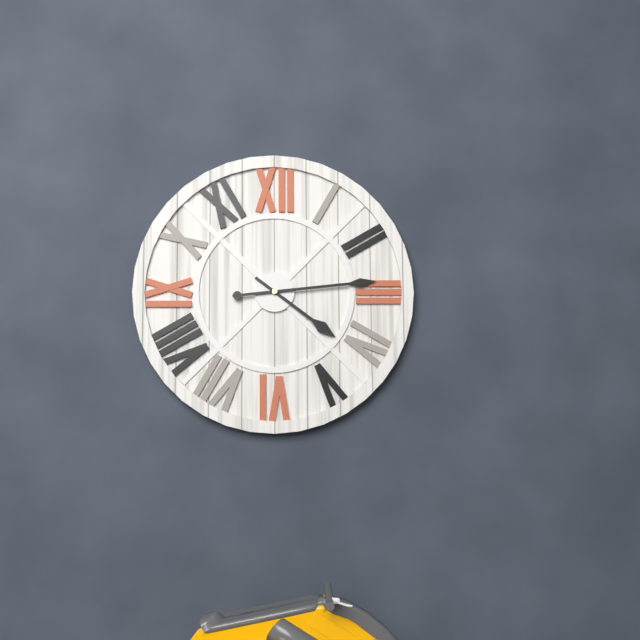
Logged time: 4:14
